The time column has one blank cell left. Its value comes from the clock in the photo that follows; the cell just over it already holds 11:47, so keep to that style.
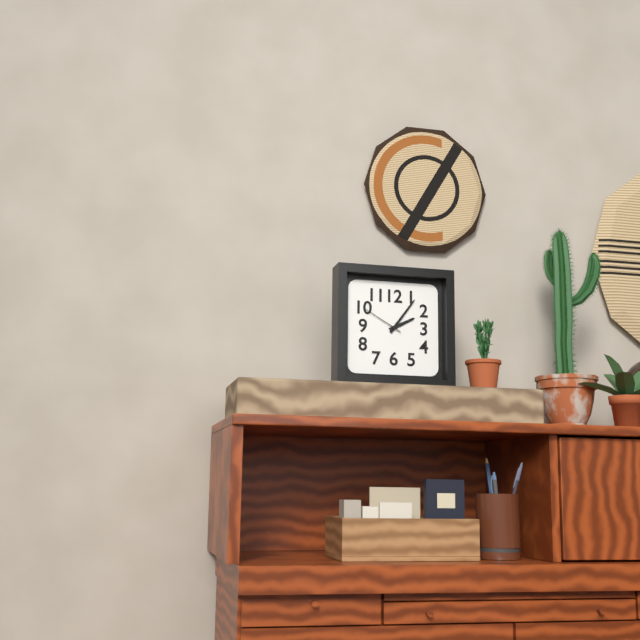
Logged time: 2:06
